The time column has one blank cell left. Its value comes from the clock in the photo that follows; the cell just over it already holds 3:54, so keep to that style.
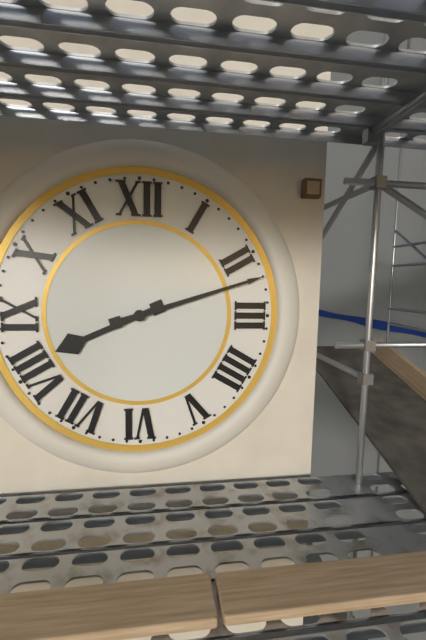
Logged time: 8:12
